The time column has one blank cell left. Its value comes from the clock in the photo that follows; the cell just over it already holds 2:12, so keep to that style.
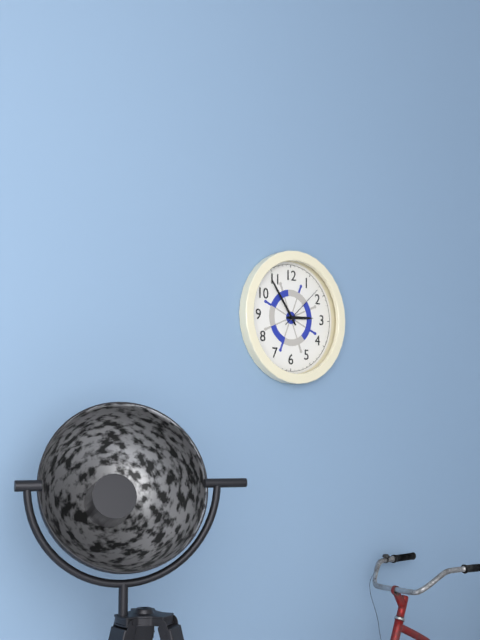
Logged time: 2:54
